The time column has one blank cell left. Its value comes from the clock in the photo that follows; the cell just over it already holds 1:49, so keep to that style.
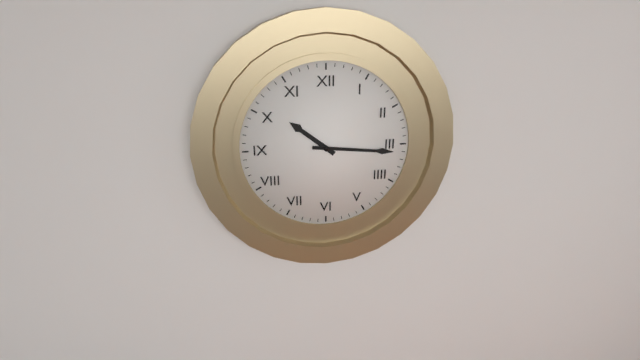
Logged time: 10:16
